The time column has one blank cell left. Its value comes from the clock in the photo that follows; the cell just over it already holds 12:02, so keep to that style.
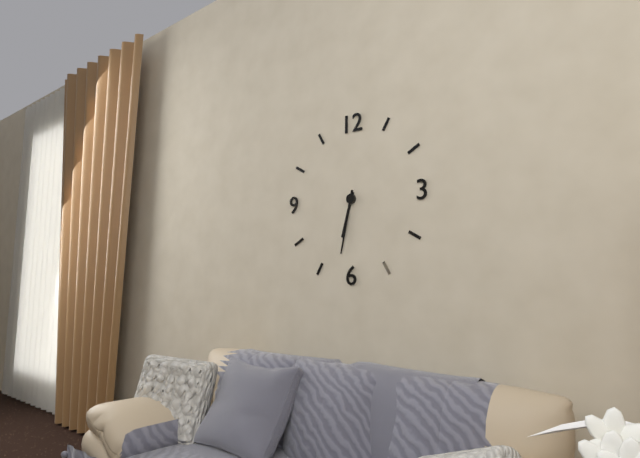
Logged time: 6:32
